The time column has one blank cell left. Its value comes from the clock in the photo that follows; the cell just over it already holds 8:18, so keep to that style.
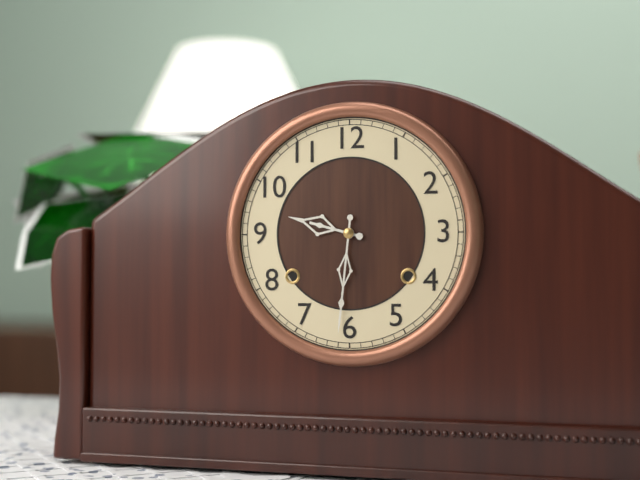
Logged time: 9:31
